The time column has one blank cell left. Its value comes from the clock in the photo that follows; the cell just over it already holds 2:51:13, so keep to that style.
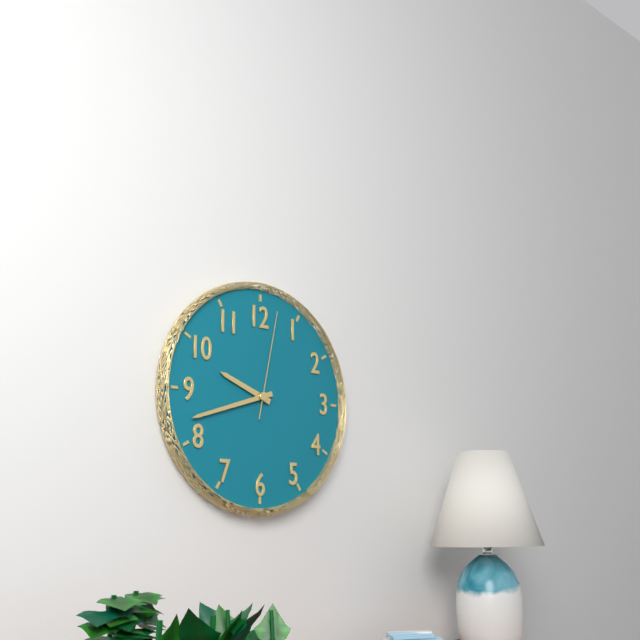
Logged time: 9:42:02
